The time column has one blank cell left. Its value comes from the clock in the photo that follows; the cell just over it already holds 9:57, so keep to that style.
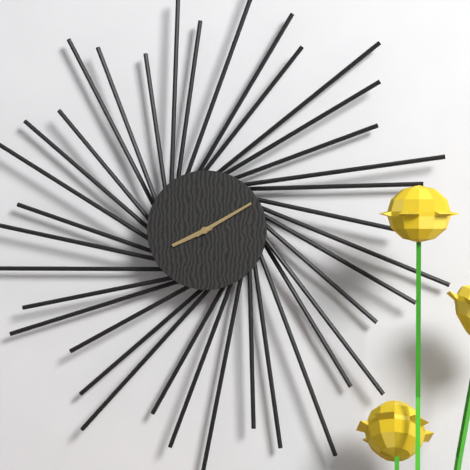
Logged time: 8:10
